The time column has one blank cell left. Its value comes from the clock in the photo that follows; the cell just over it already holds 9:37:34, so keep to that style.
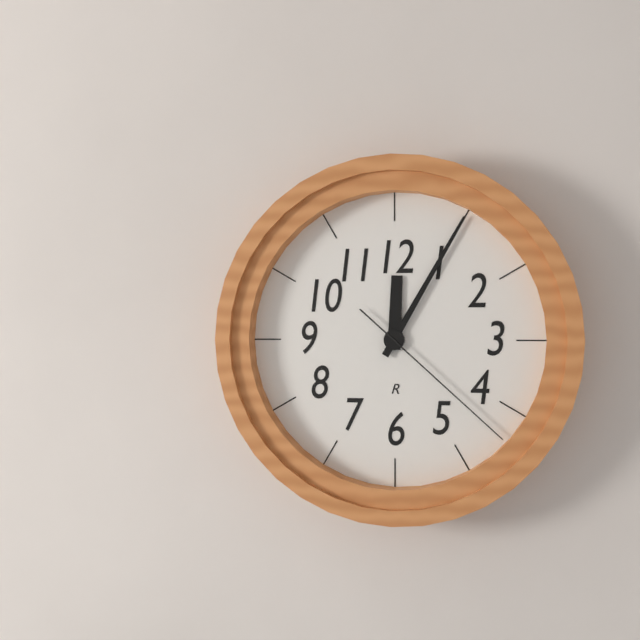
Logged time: 12:05:22
